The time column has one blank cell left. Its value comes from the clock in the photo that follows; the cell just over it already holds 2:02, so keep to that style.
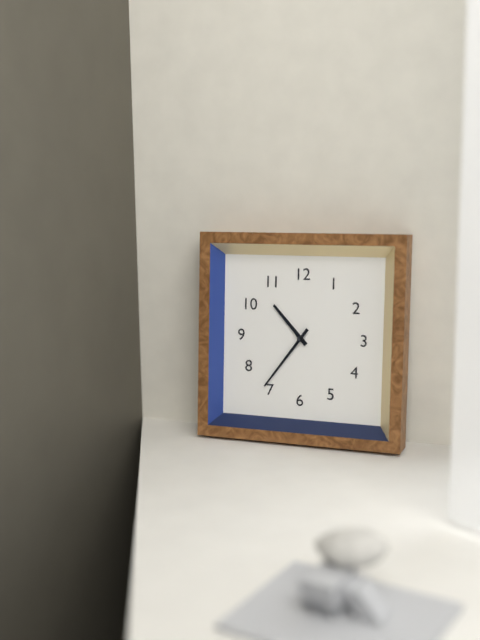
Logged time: 10:36
